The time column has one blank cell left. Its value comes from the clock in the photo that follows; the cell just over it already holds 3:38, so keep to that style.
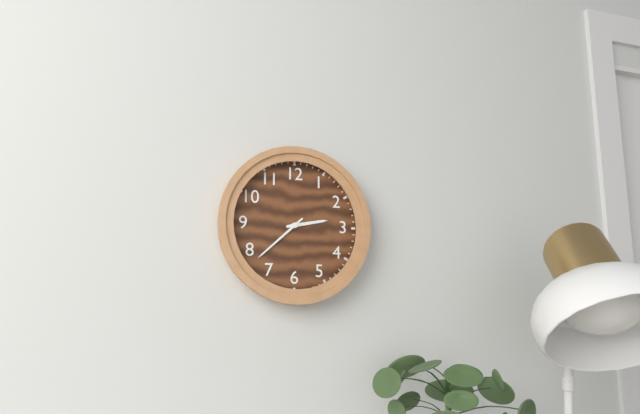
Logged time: 2:38
